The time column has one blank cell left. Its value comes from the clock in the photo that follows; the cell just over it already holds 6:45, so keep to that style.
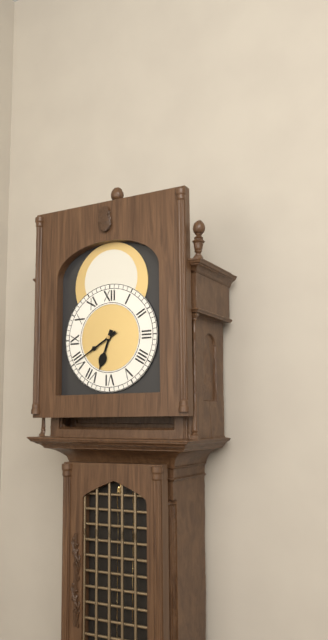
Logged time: 6:40
